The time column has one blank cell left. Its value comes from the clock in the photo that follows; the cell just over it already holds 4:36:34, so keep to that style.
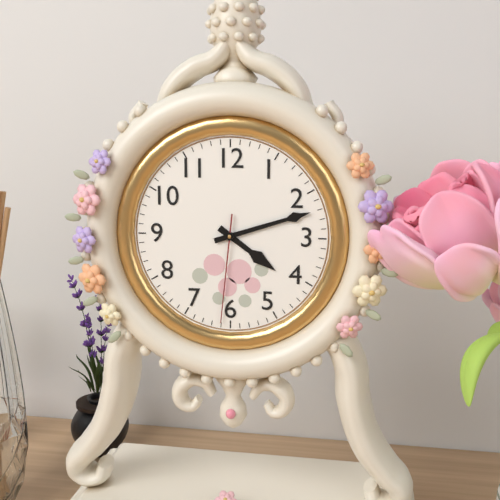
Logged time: 4:12:31
